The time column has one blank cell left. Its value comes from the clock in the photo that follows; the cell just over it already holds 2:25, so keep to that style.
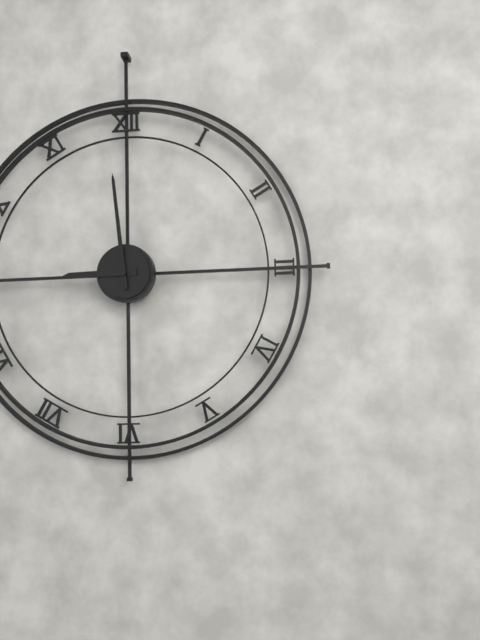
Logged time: 8:59
